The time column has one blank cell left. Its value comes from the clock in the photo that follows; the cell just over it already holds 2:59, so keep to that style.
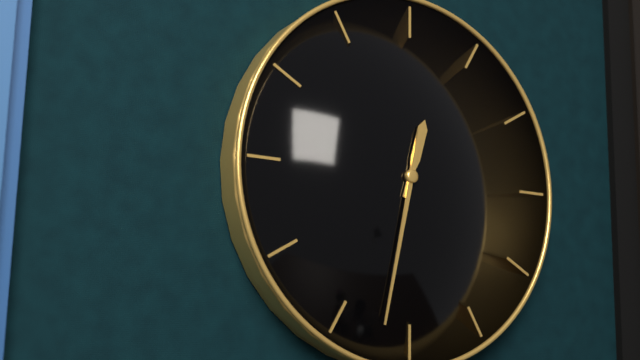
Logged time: 12:32
